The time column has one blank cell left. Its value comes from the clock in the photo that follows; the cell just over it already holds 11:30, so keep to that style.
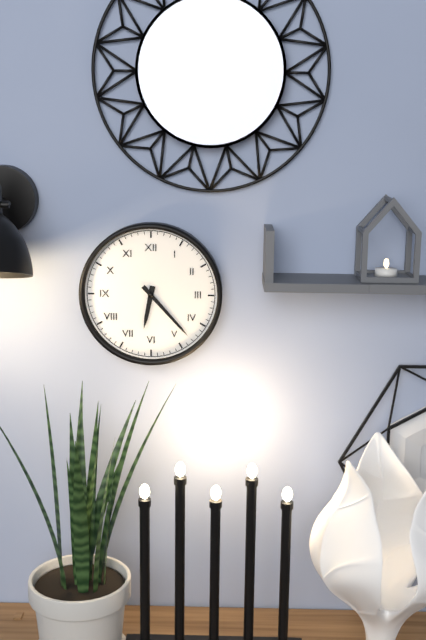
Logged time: 6:23
